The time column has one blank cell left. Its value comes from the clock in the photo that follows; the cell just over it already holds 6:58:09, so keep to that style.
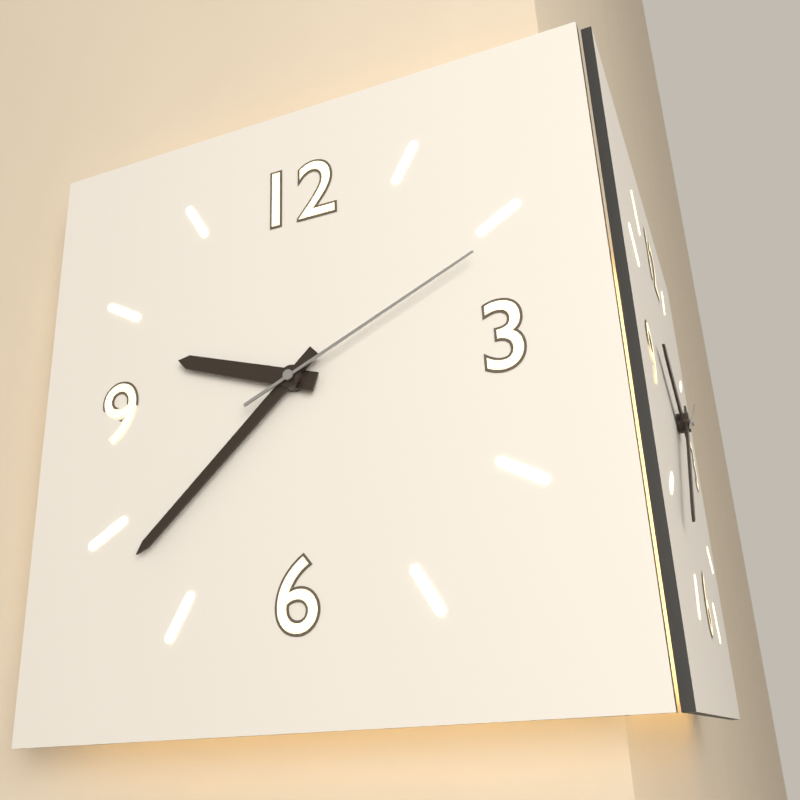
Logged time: 9:38:11
